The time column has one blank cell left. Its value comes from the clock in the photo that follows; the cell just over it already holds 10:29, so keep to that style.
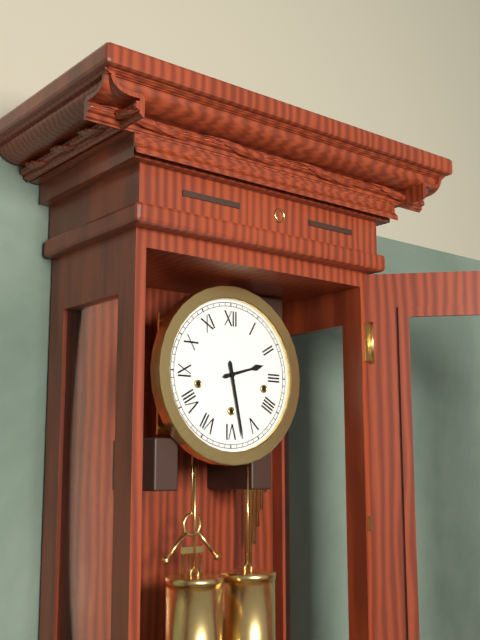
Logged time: 2:28
